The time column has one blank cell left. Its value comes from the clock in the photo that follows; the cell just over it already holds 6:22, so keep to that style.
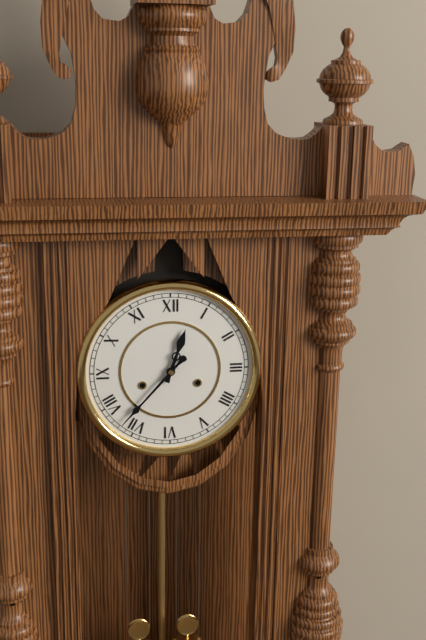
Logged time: 12:37
